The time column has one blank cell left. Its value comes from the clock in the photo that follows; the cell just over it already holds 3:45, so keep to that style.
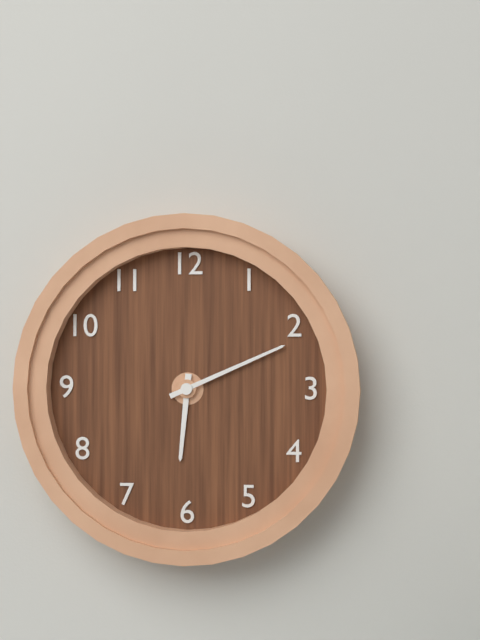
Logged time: 6:11
